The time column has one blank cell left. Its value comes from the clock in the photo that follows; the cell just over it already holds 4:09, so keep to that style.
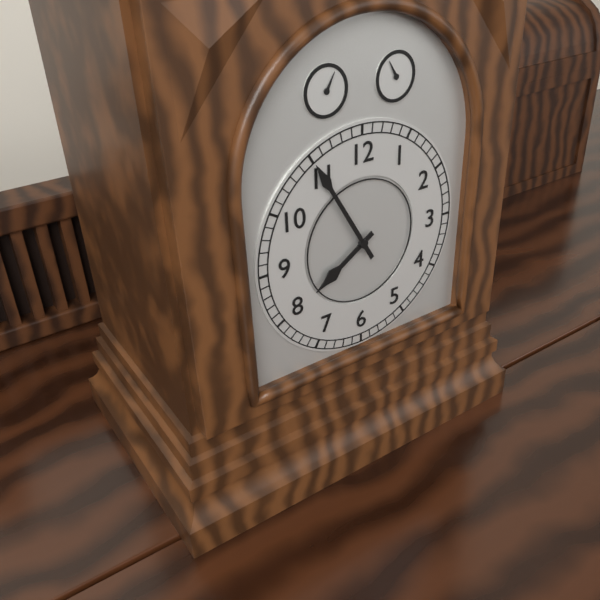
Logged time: 7:55
